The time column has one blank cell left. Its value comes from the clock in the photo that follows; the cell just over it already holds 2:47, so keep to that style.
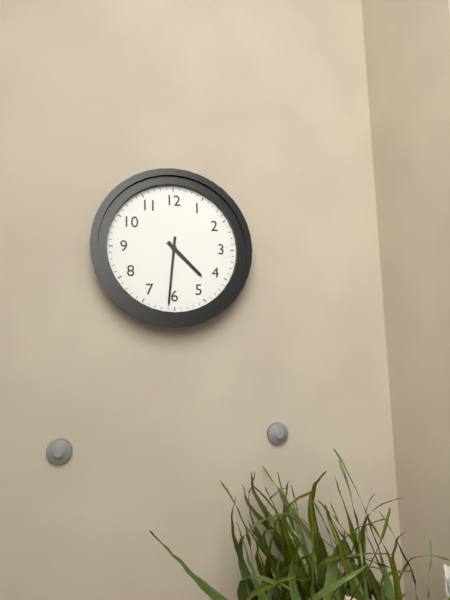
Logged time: 4:31
